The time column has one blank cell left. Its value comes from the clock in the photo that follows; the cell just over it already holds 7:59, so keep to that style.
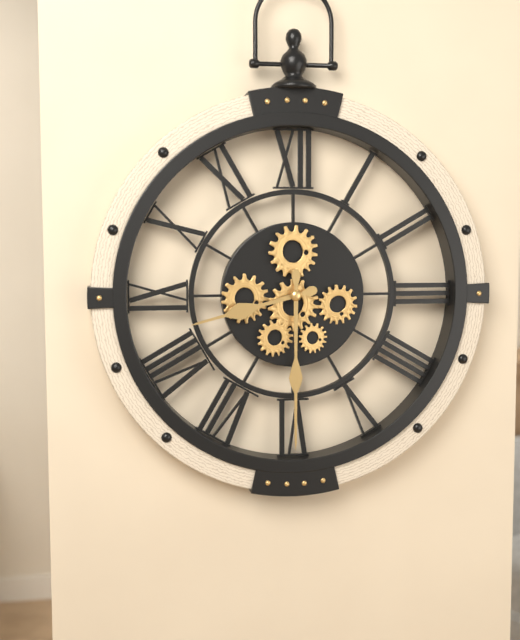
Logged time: 8:30
